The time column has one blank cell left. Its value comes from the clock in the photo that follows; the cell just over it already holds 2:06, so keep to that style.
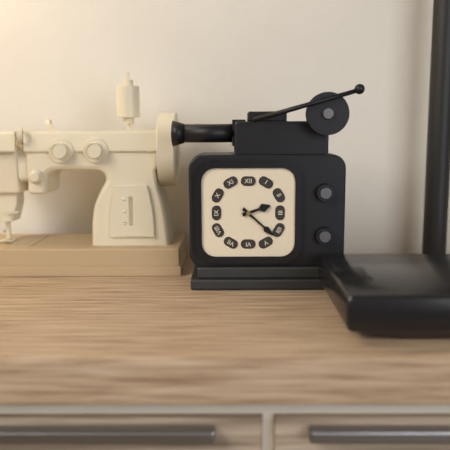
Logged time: 2:22
